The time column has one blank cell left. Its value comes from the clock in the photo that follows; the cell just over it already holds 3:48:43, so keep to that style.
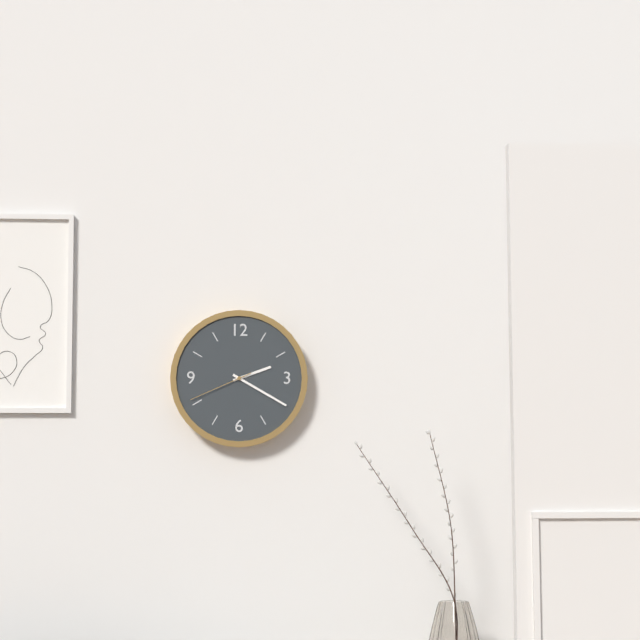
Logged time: 2:20:41
